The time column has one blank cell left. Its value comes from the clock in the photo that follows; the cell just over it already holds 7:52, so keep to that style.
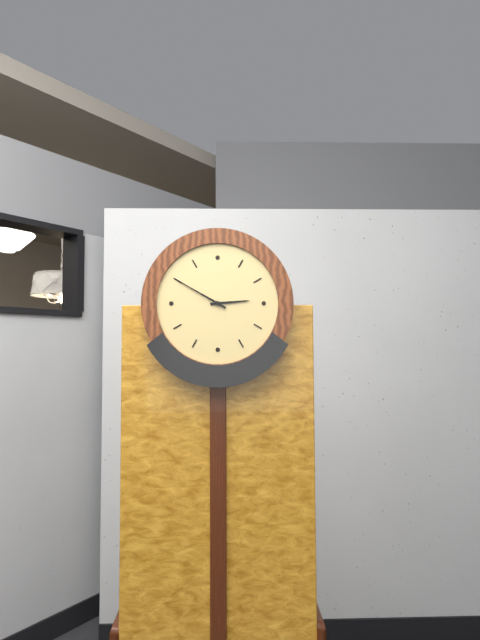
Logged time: 2:50
